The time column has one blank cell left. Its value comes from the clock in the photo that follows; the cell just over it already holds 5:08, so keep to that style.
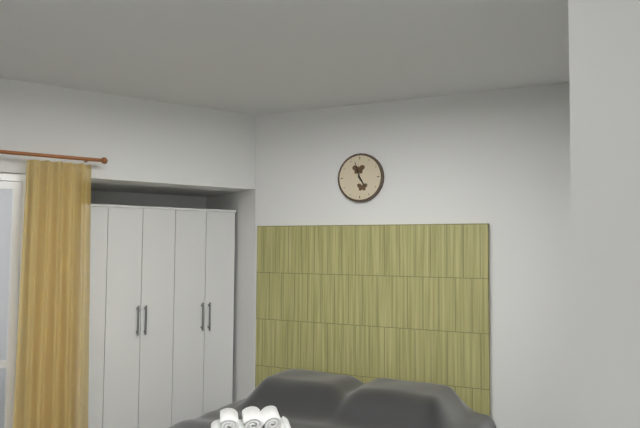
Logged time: 4:57
